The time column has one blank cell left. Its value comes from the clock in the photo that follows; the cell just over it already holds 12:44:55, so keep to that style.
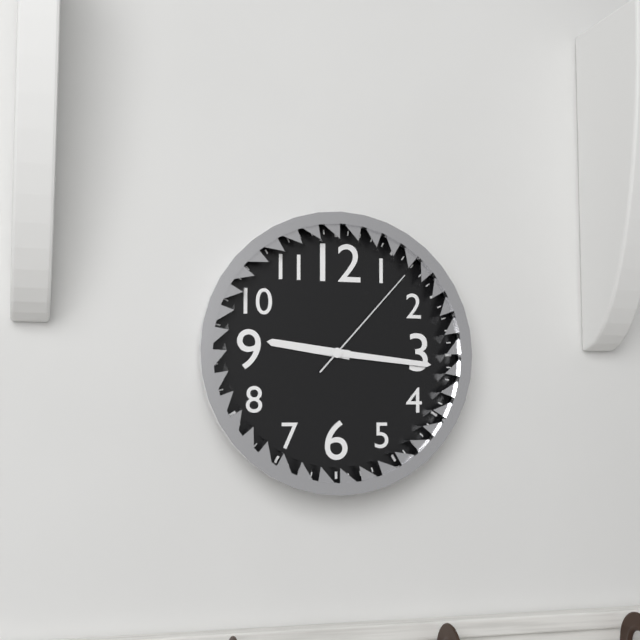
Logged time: 9:16:07
